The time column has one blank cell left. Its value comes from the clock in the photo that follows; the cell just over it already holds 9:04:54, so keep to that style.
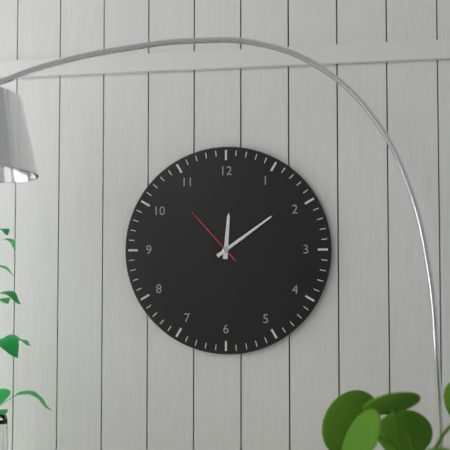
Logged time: 12:09:53
